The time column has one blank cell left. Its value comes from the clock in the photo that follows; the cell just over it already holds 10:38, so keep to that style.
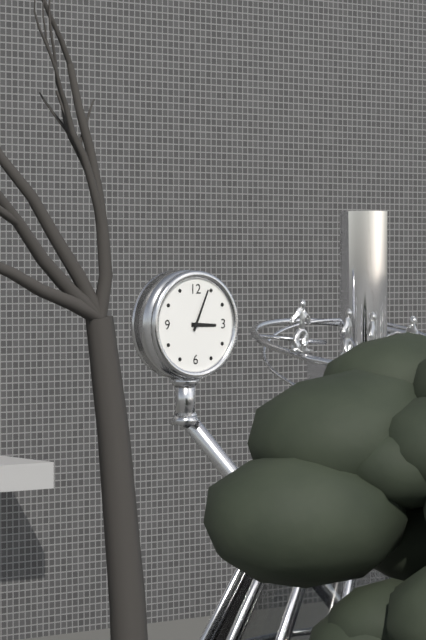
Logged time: 3:04
